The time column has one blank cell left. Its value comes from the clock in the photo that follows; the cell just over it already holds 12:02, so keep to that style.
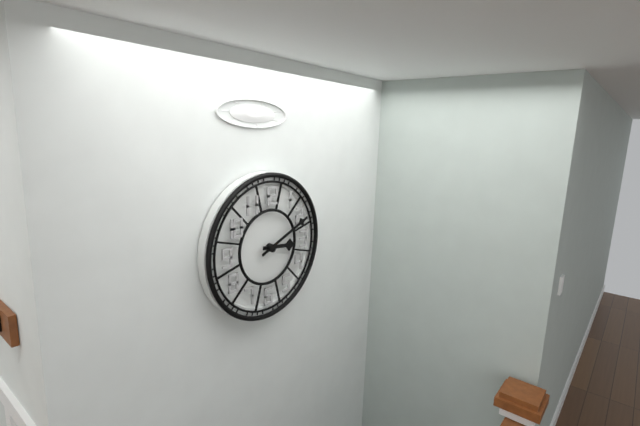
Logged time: 3:11
